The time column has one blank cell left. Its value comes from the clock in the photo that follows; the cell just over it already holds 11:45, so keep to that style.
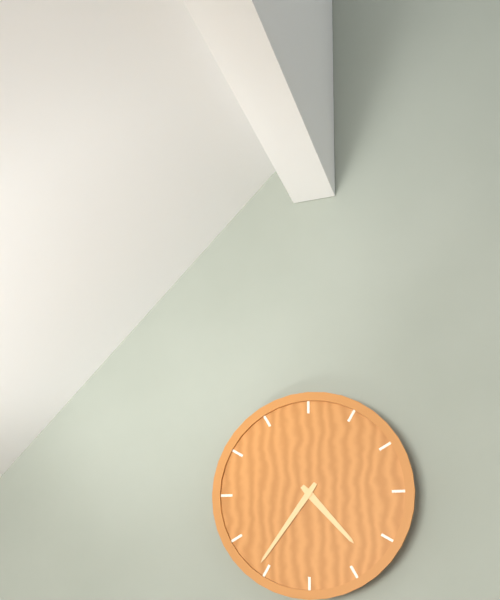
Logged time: 4:36
